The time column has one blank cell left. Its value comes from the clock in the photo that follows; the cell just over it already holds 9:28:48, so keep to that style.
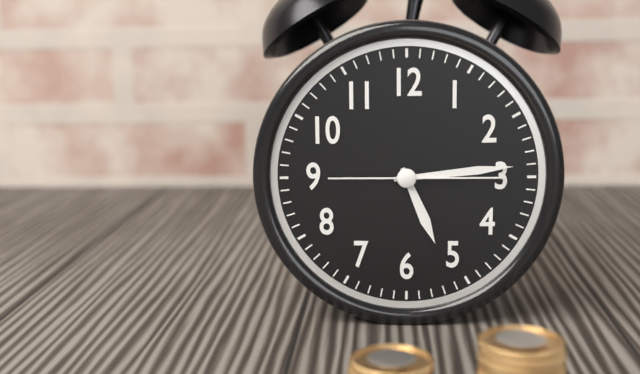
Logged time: 5:14:15
